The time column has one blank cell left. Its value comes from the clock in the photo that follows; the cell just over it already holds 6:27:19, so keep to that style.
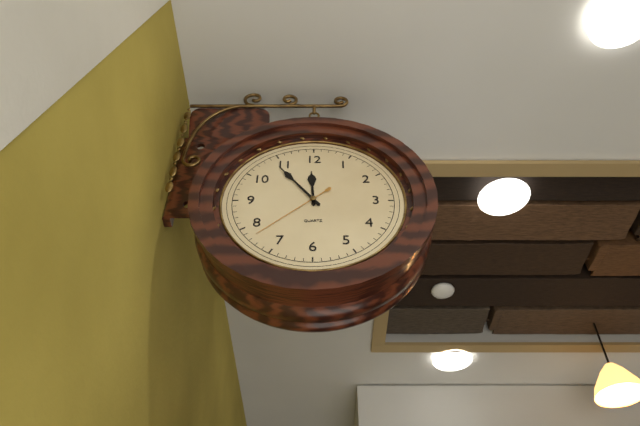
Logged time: 11:54:38
